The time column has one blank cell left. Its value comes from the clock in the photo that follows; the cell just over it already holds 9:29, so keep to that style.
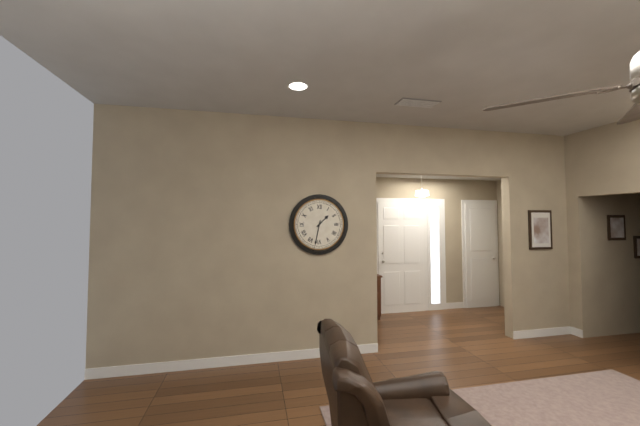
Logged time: 1:32
